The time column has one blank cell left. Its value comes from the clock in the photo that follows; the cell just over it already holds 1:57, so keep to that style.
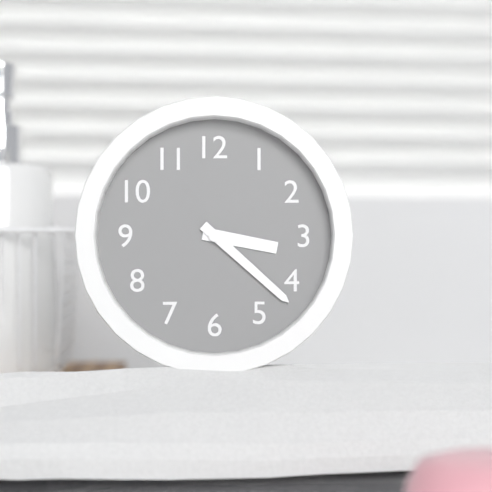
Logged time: 3:22
